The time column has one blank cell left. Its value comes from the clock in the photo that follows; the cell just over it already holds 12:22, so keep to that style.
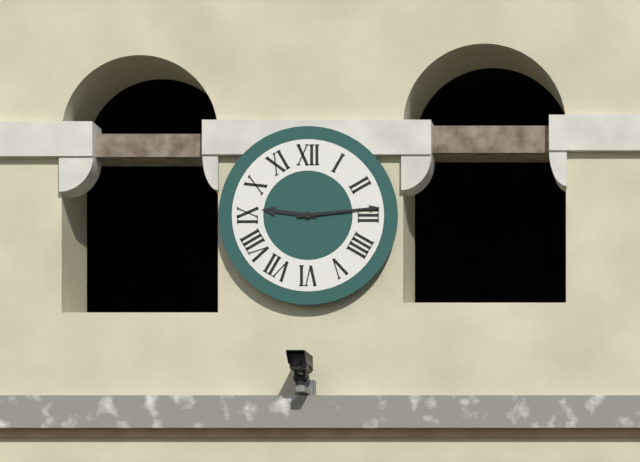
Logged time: 9:14
